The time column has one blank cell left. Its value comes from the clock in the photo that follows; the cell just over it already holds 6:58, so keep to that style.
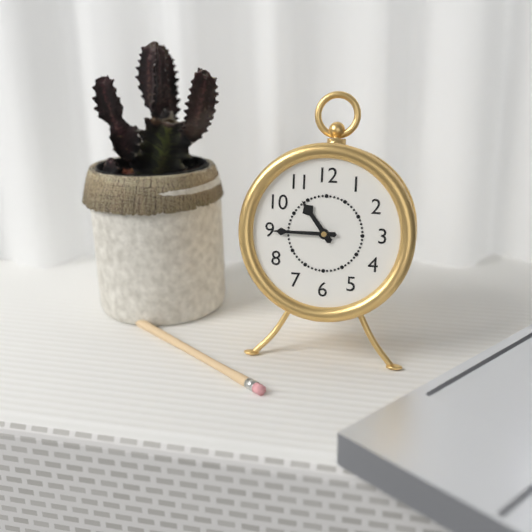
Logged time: 10:45
